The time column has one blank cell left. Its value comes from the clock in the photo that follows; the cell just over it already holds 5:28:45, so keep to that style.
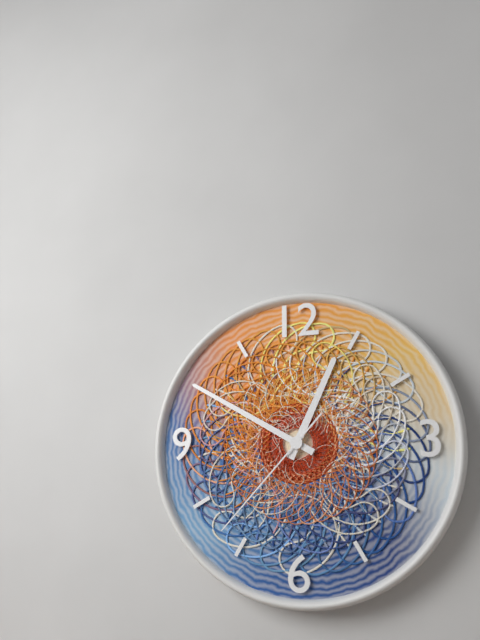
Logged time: 12:50:37
